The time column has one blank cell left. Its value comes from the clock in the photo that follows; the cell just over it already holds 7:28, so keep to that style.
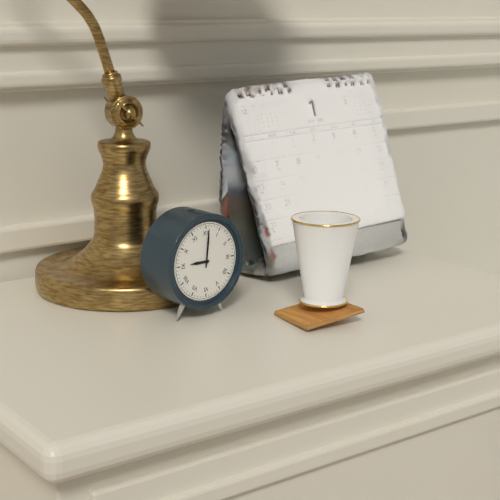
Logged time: 9:01
